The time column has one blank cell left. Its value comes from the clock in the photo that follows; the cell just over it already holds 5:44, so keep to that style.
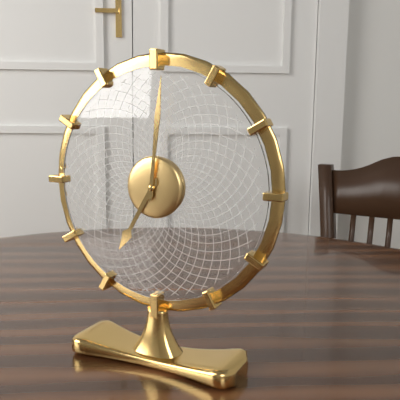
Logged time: 7:01
